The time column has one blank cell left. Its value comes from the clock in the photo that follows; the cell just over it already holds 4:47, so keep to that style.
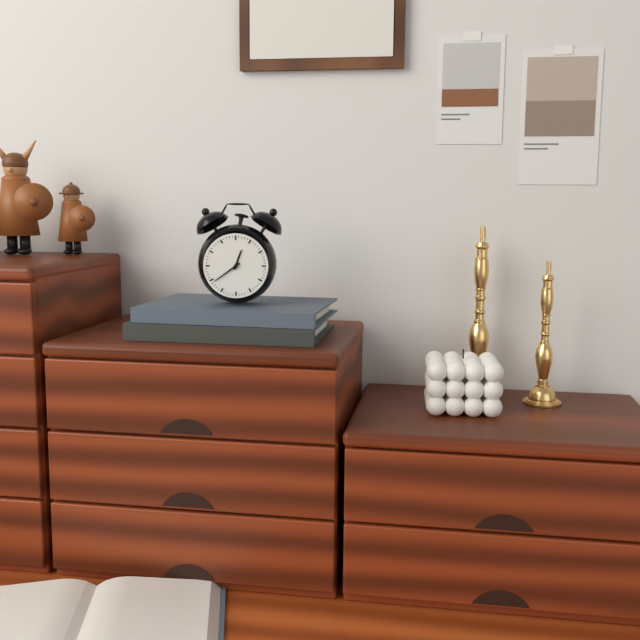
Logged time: 12:39
